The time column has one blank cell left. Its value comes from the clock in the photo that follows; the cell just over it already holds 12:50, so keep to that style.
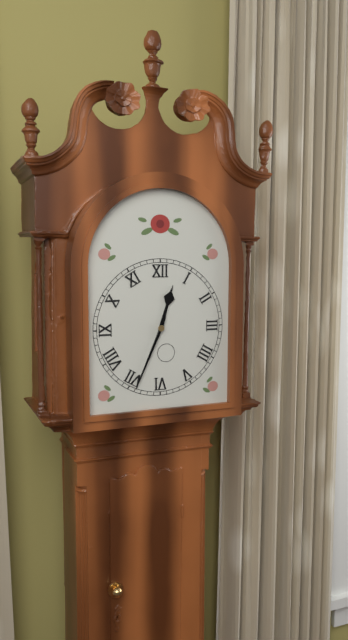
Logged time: 12:34
